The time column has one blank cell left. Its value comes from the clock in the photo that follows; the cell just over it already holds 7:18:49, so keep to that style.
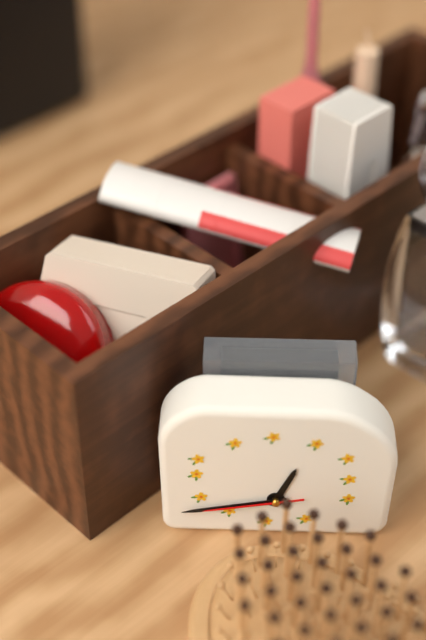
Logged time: 12:43:43
